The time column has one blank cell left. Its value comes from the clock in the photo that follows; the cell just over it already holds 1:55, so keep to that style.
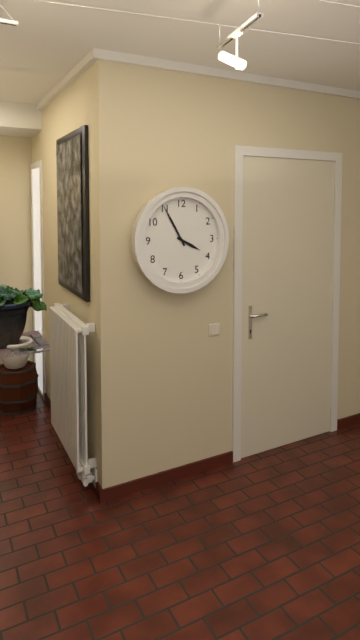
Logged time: 3:55
